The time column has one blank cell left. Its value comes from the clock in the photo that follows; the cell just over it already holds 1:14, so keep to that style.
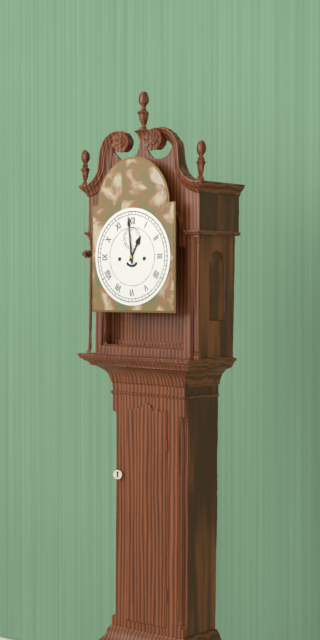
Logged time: 12:59
